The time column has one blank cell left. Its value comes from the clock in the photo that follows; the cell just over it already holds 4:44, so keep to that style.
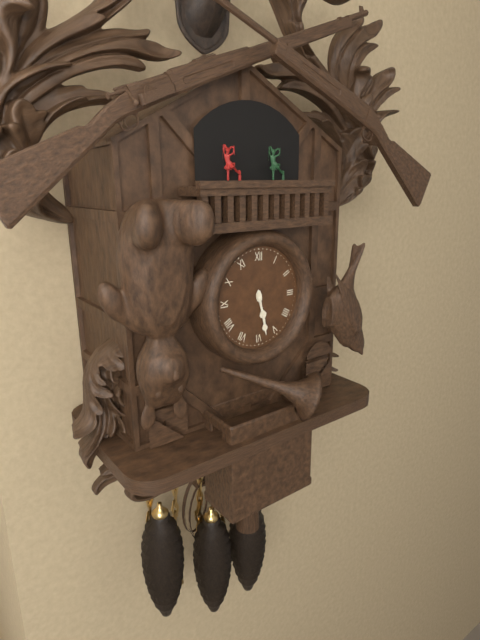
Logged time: 5:28
